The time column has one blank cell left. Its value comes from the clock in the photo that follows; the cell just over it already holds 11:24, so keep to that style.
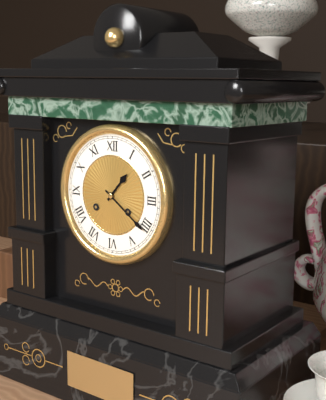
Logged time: 1:21
